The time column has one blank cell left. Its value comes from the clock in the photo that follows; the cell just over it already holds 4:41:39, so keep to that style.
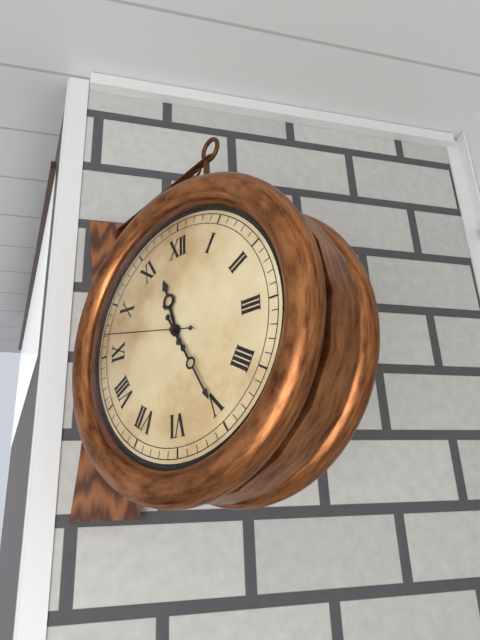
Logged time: 11:25:47
